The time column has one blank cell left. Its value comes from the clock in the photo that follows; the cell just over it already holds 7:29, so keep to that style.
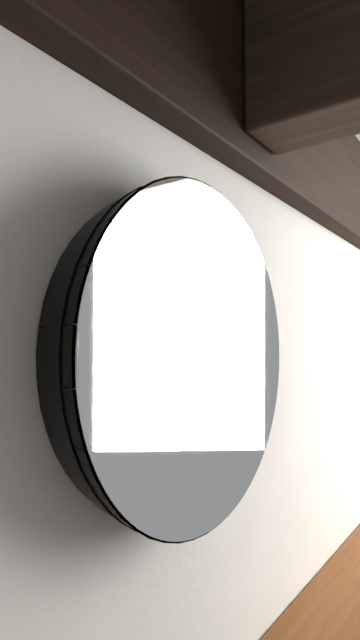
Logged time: 2:48
